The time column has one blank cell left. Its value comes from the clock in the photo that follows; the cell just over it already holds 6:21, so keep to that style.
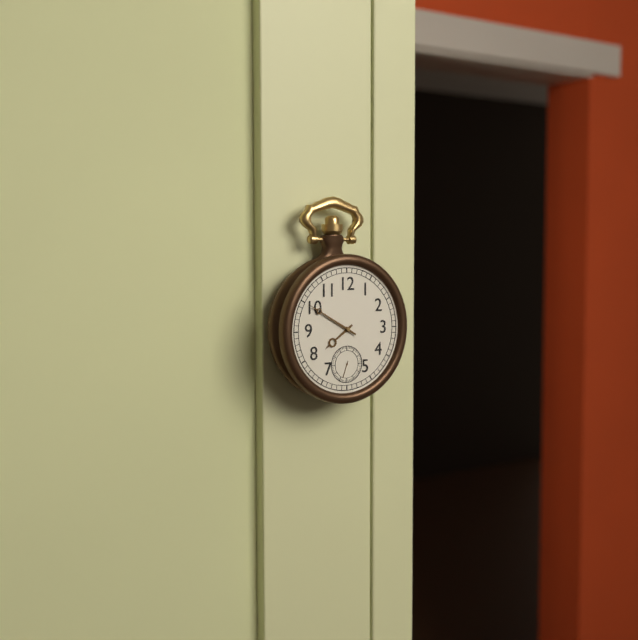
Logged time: 7:50
